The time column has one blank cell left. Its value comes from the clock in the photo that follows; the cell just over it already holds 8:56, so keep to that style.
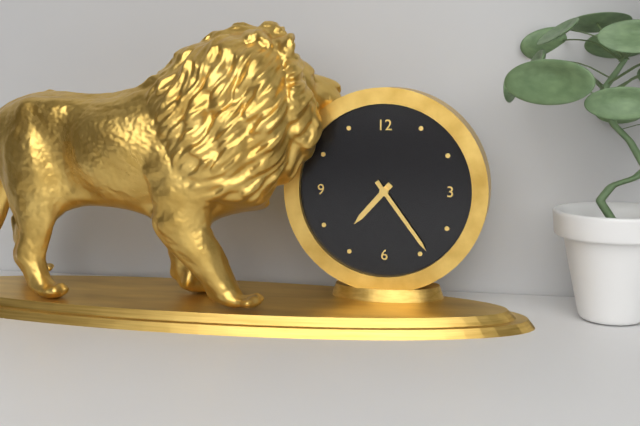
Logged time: 7:24
